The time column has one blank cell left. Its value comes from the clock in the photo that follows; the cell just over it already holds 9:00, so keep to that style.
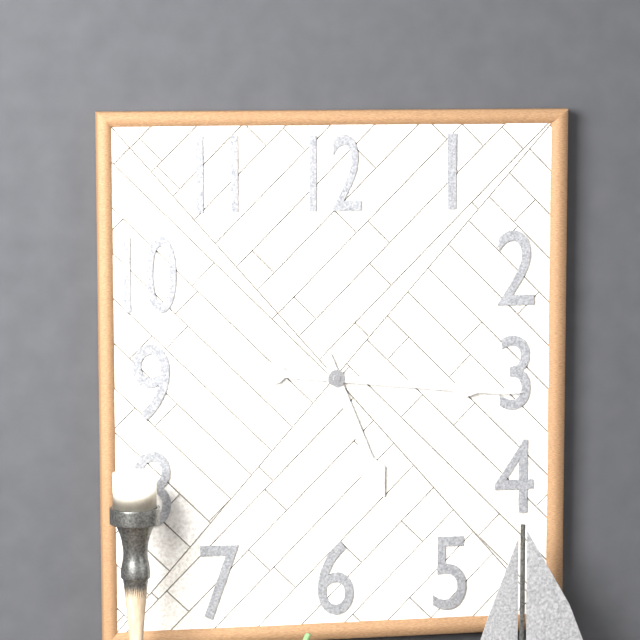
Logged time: 5:16
